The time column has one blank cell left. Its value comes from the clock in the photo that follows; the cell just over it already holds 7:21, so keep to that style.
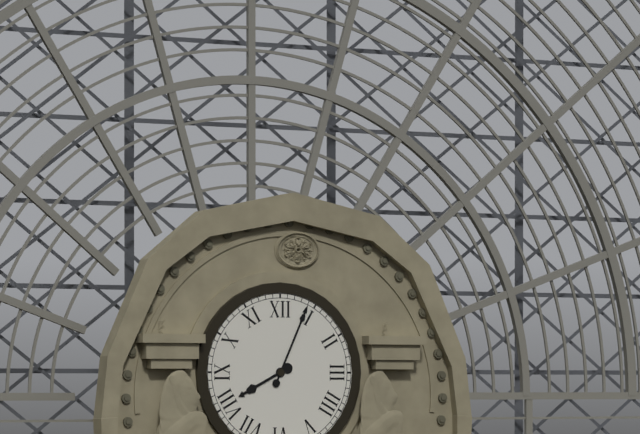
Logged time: 8:04
